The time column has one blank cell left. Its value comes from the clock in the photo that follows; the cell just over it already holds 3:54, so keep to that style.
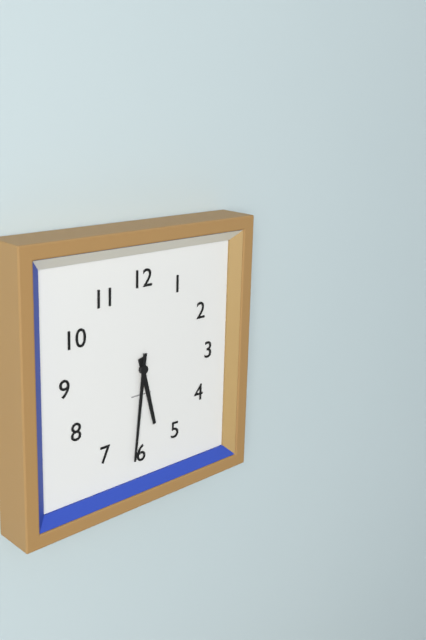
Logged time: 5:31
